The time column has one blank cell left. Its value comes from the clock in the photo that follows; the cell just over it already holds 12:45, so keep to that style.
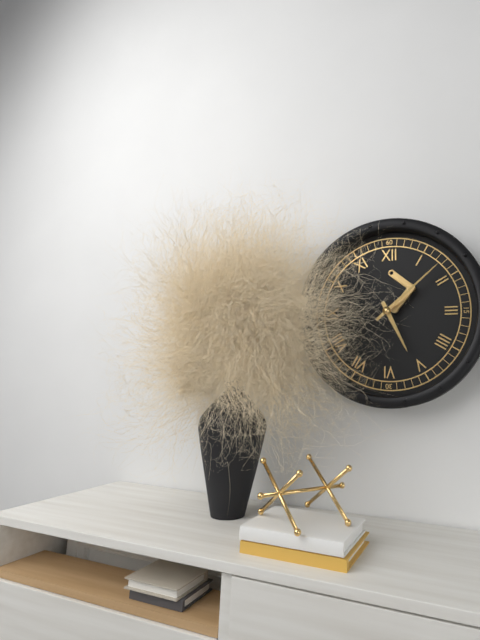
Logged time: 5:08
